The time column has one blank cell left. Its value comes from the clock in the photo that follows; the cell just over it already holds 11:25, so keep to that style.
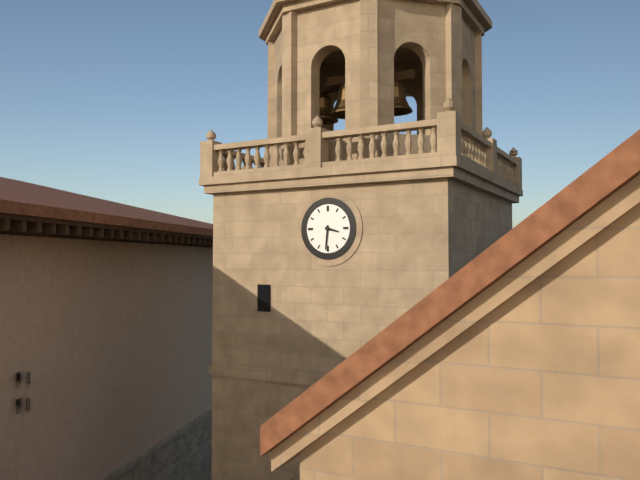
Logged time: 3:31
